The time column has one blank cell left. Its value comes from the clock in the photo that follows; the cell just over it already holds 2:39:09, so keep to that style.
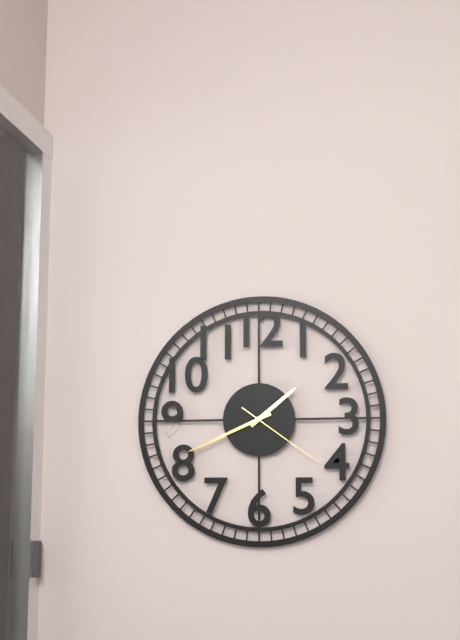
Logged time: 1:41:21
